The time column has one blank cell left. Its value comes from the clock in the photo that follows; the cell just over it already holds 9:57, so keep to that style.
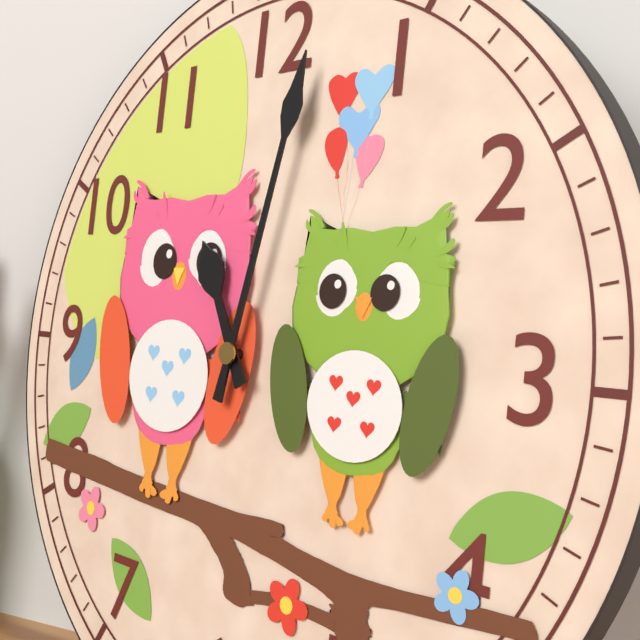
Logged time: 11:02
